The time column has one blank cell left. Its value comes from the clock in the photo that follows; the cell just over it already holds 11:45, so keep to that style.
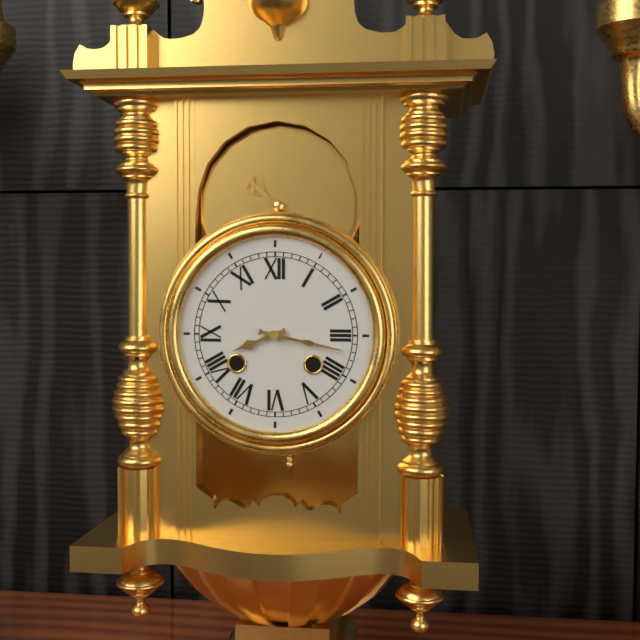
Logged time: 8:17
